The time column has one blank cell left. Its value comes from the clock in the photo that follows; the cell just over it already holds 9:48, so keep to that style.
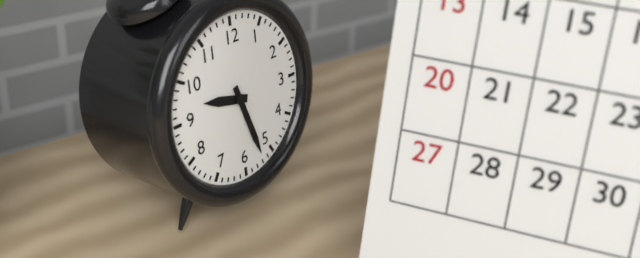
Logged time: 9:27
